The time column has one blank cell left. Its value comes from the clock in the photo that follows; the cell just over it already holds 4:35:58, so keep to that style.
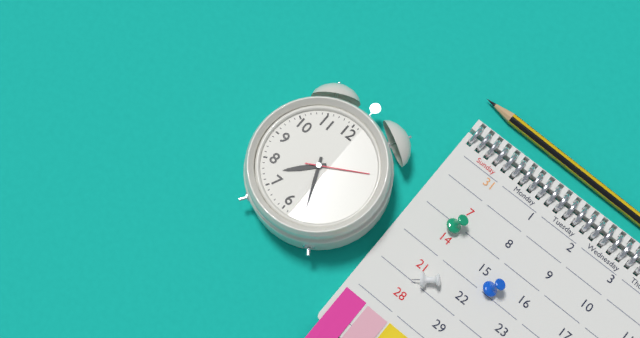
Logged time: 7:26:10
